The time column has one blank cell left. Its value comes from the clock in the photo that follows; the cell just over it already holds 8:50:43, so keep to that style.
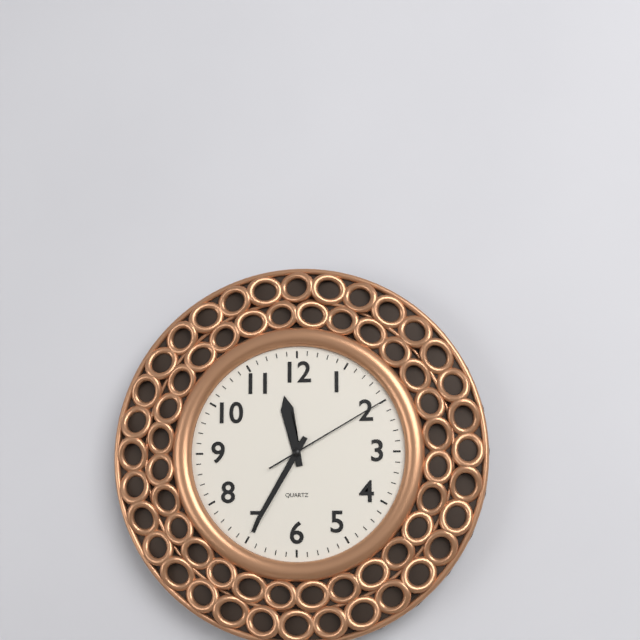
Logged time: 11:35:10
